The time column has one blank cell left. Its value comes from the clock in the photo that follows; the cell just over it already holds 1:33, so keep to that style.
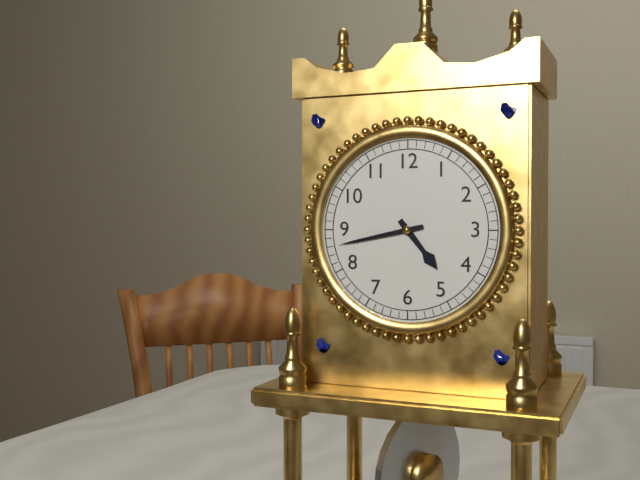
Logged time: 4:43
